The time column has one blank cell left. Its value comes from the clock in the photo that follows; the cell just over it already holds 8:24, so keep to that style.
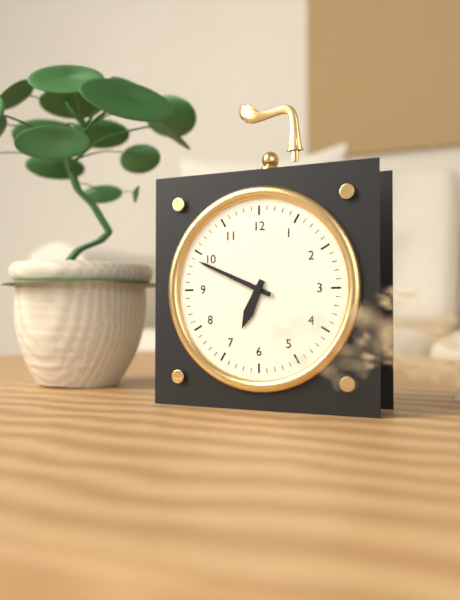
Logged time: 6:49
